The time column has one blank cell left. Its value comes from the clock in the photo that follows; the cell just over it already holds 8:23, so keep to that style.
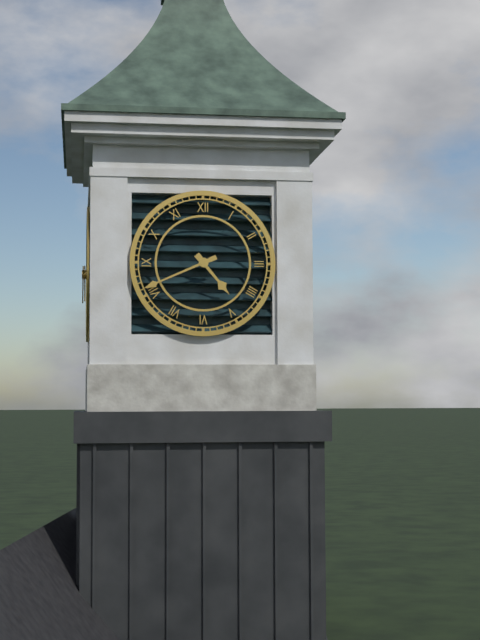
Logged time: 4:41
